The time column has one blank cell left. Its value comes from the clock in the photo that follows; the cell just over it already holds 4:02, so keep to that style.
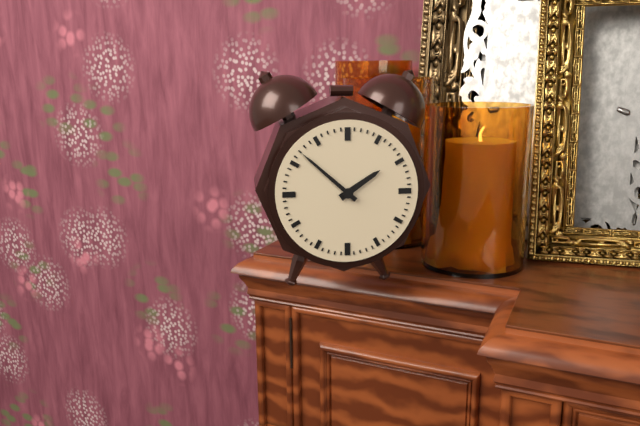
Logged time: 1:52
